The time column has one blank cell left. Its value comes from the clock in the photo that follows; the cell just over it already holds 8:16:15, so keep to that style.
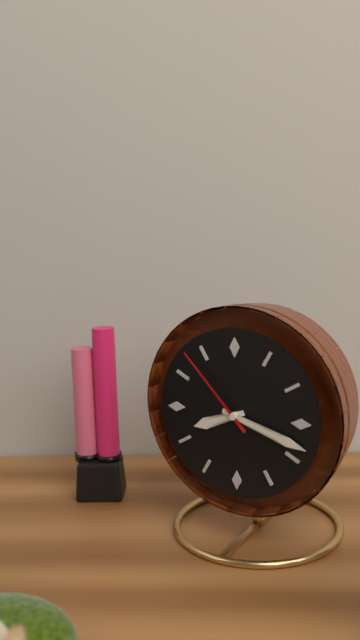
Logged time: 8:18:53
